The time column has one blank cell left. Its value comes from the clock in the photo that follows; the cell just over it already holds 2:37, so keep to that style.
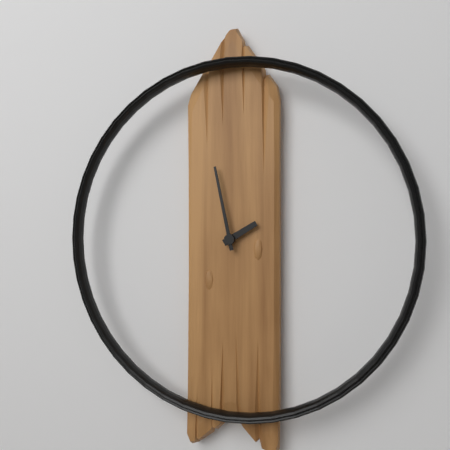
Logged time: 1:58
